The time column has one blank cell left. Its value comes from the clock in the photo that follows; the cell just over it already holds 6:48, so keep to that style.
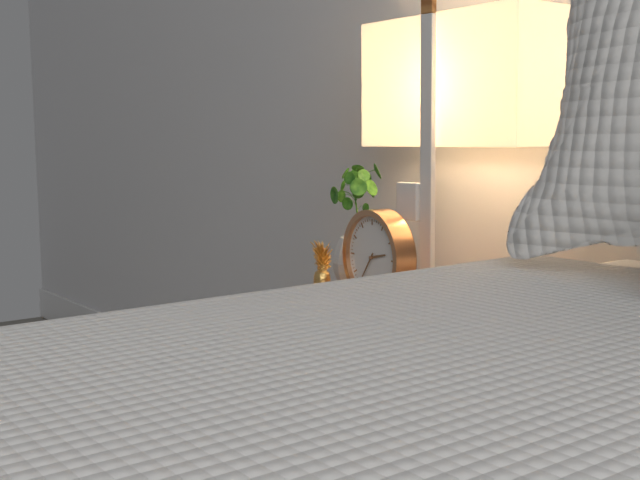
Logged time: 2:36
